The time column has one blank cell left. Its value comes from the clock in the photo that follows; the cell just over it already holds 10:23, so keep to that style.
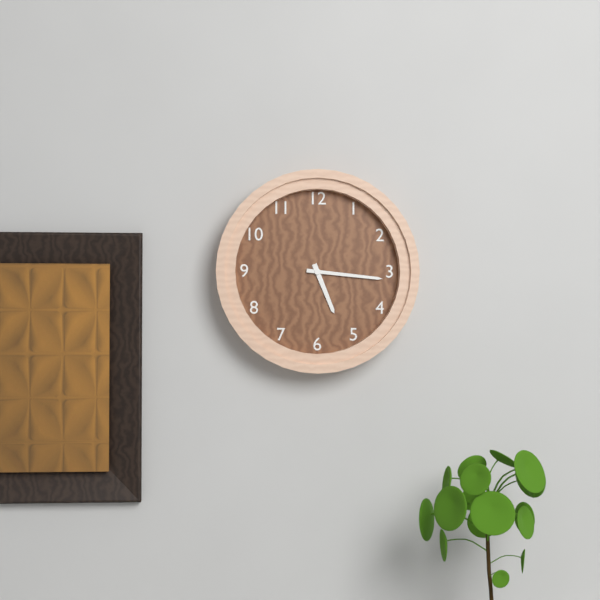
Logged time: 5:16
